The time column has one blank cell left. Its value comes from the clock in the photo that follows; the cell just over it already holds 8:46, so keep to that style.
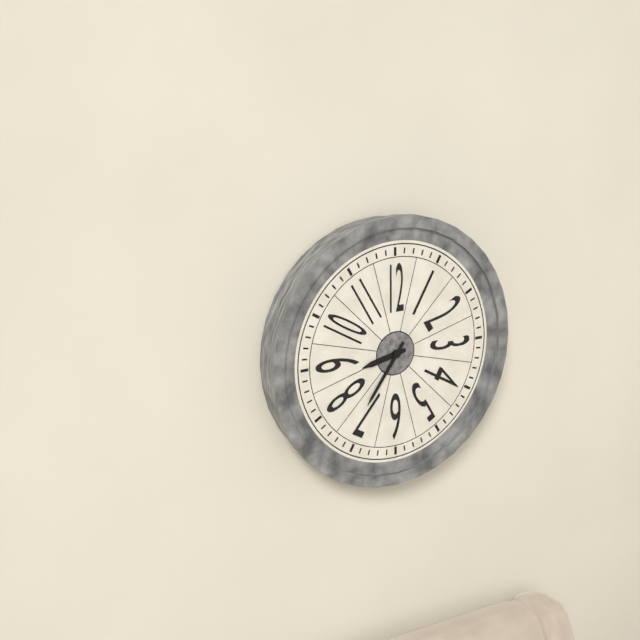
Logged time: 8:36
